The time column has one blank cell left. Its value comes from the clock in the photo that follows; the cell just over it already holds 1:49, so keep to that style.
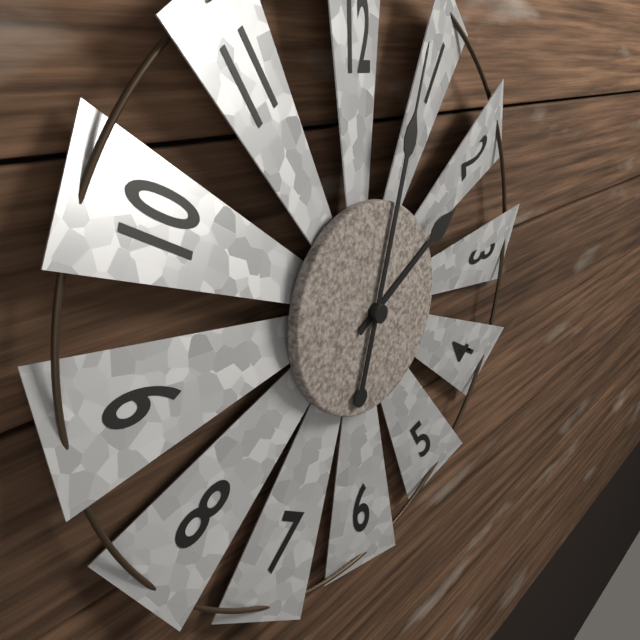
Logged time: 2:03
